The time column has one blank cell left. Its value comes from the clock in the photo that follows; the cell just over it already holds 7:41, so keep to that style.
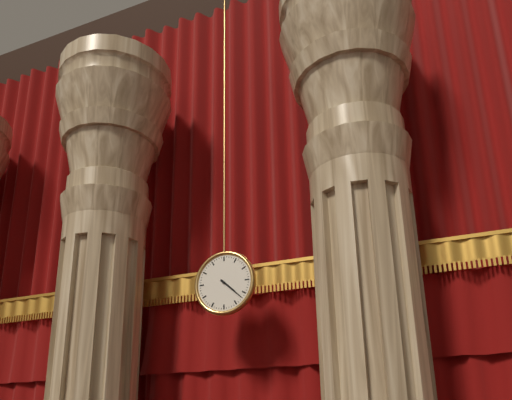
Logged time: 4:22
